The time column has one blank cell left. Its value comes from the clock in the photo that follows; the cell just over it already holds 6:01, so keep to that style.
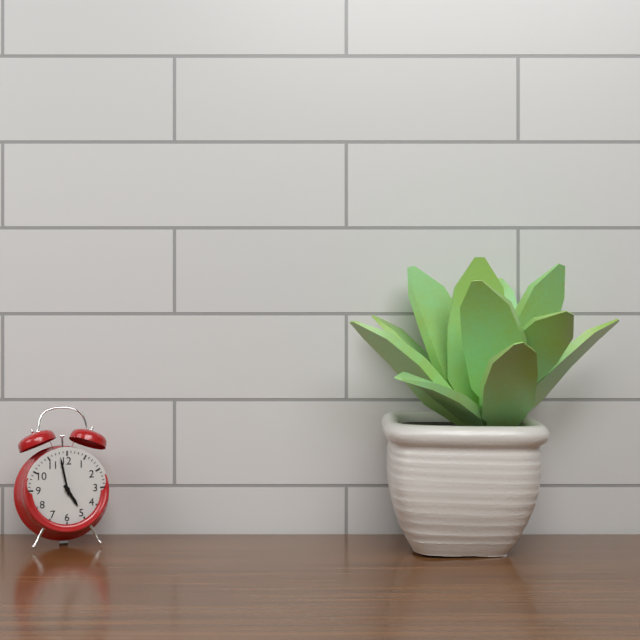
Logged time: 4:58
